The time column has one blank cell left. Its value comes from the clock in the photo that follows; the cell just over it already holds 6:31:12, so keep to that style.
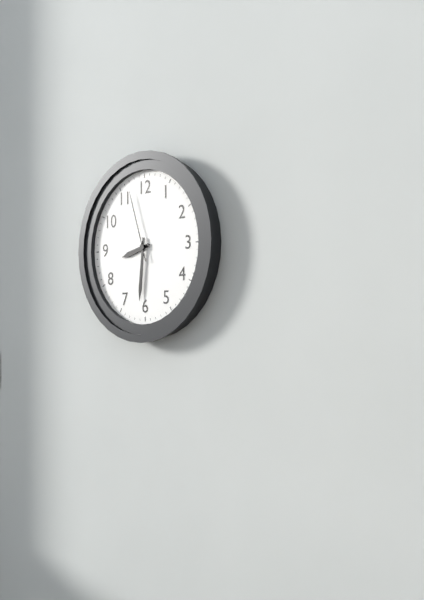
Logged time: 8:31:57
